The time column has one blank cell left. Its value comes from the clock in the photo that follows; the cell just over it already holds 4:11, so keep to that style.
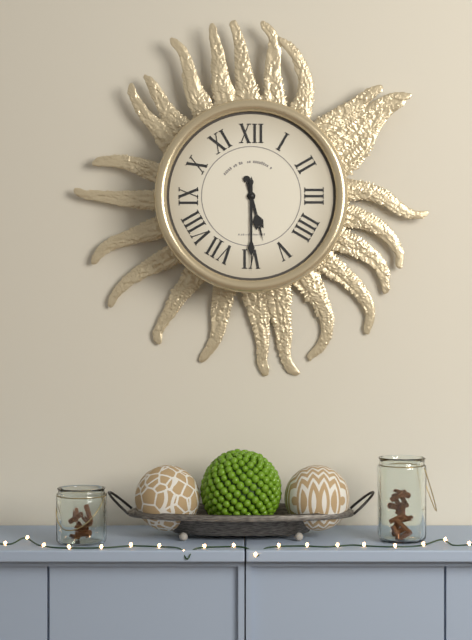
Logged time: 5:30
